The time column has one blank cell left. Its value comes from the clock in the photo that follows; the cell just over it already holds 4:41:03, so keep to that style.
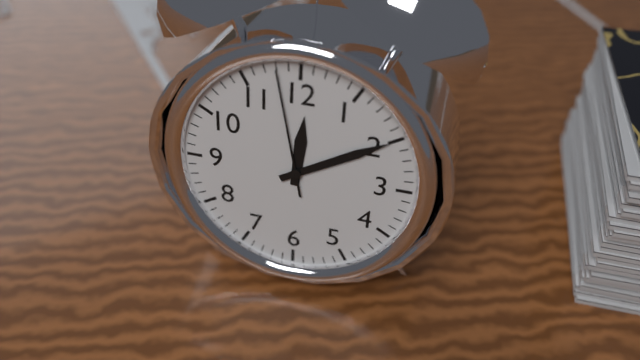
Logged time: 12:10:58
